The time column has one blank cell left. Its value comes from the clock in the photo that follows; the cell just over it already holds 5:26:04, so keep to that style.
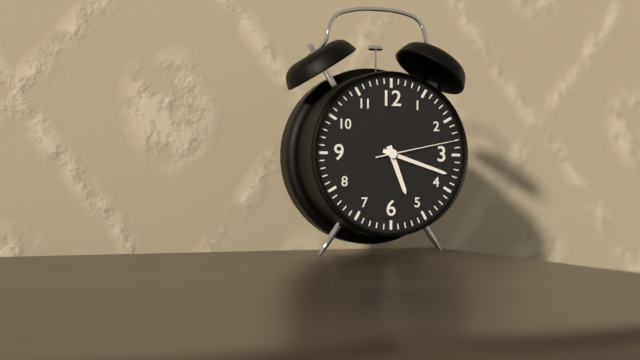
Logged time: 5:18:13
